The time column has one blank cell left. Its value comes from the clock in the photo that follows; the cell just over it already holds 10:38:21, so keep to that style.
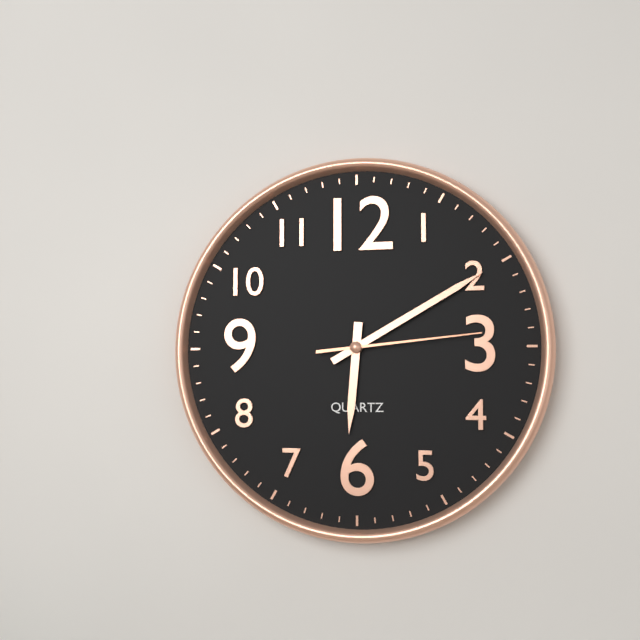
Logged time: 6:10:14
